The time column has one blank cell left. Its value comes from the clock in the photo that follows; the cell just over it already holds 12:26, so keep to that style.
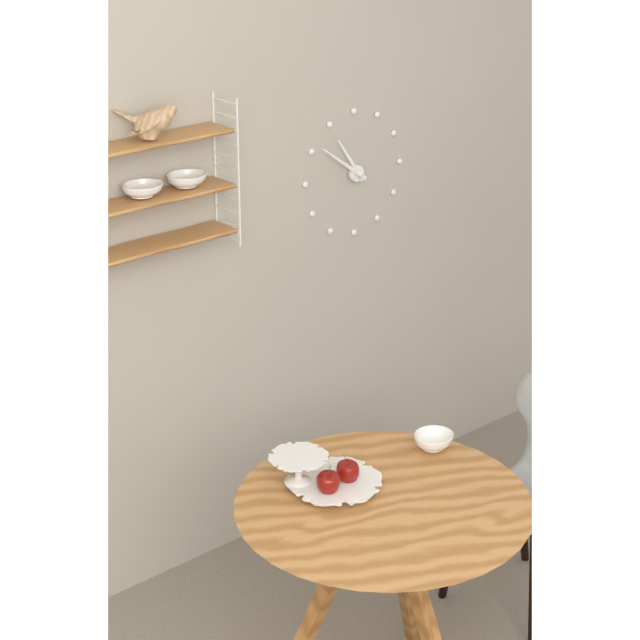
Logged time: 10:51
